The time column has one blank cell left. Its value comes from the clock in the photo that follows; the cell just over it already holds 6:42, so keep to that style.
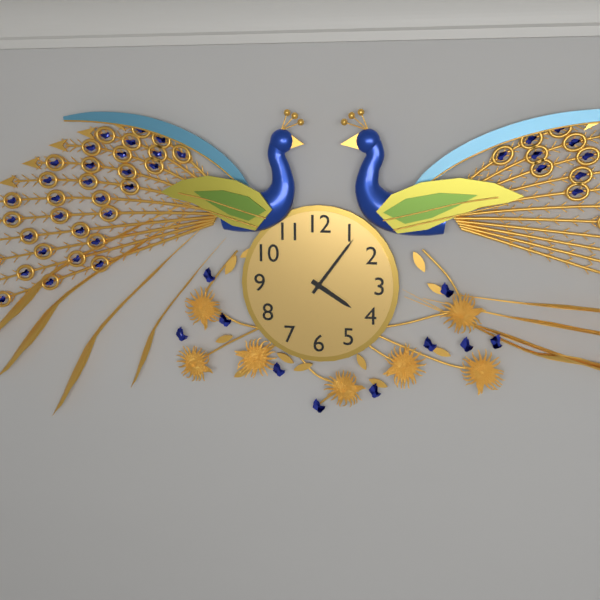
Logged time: 4:06
